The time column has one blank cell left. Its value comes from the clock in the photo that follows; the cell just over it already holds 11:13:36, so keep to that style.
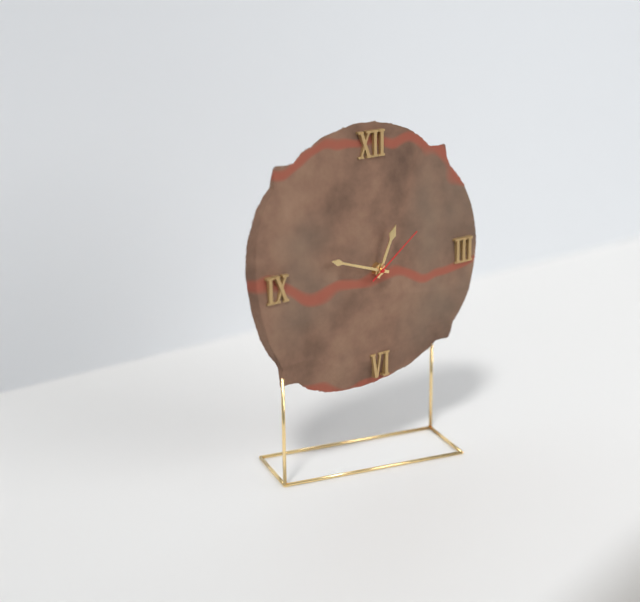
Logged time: 12:48:09
